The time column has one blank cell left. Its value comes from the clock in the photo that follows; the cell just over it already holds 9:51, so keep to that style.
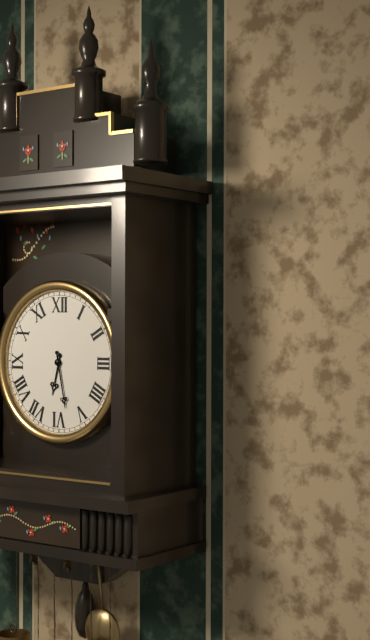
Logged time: 6:28
